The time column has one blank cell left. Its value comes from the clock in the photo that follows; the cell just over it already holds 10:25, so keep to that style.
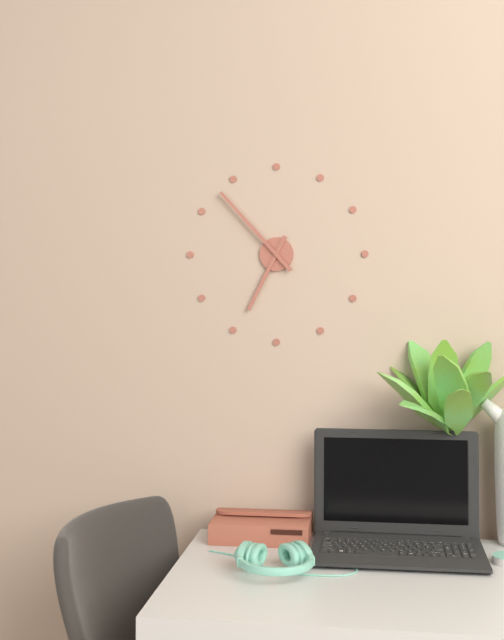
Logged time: 6:53
